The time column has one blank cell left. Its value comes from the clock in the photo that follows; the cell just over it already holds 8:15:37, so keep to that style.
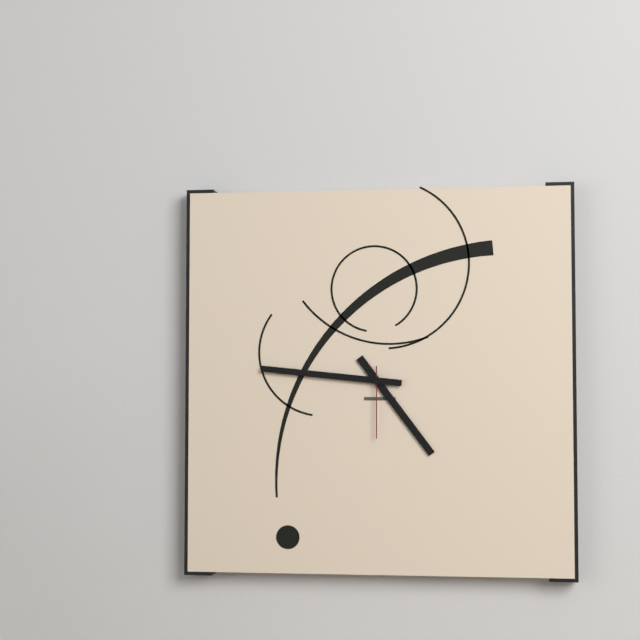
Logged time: 4:46:30
